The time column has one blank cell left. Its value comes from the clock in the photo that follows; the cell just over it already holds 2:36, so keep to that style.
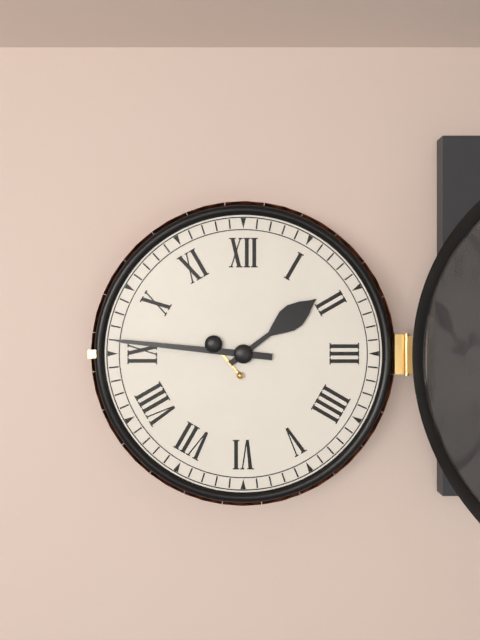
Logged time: 1:46
